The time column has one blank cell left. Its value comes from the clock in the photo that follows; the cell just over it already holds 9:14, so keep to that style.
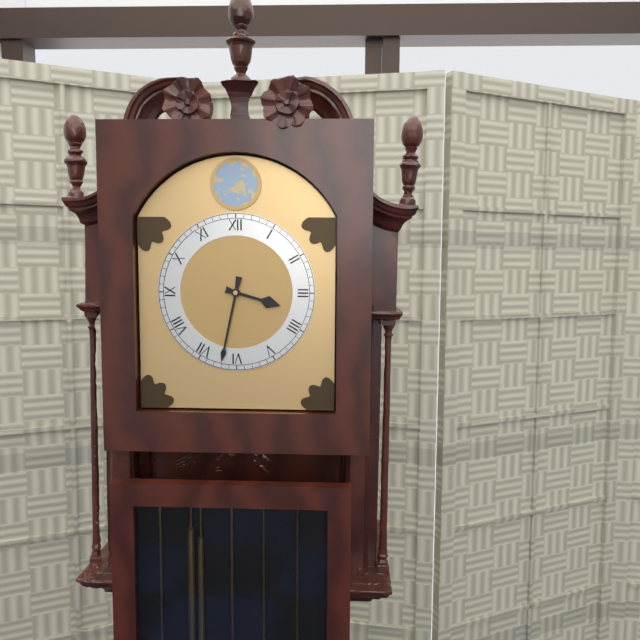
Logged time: 3:32
